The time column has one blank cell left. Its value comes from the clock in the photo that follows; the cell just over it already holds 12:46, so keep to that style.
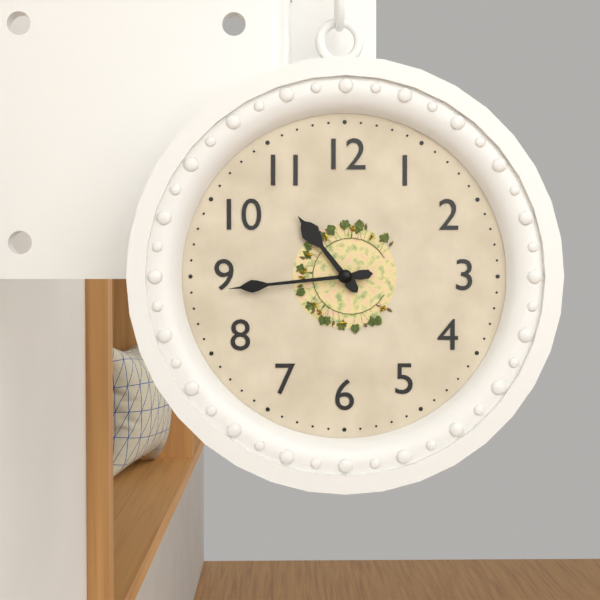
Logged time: 10:44
